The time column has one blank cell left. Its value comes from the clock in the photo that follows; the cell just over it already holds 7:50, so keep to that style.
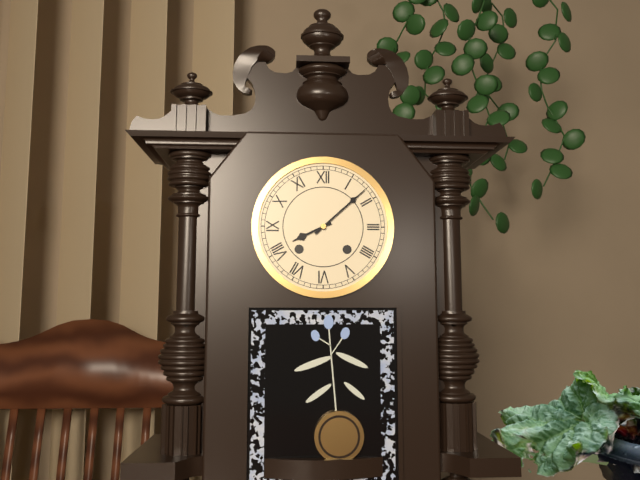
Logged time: 8:08
